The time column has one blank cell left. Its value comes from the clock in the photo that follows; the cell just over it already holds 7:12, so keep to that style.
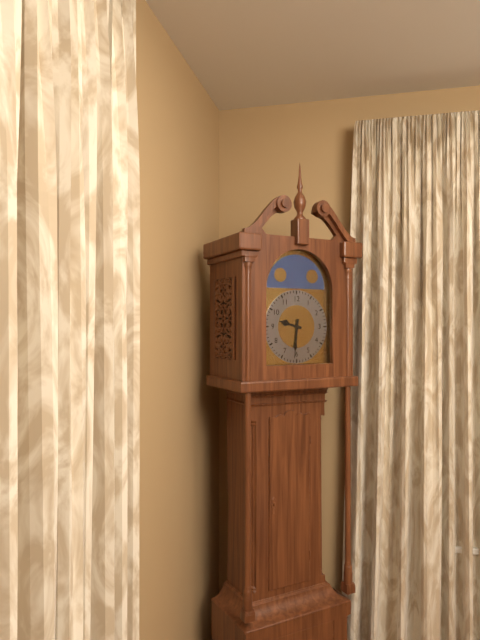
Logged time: 9:31
